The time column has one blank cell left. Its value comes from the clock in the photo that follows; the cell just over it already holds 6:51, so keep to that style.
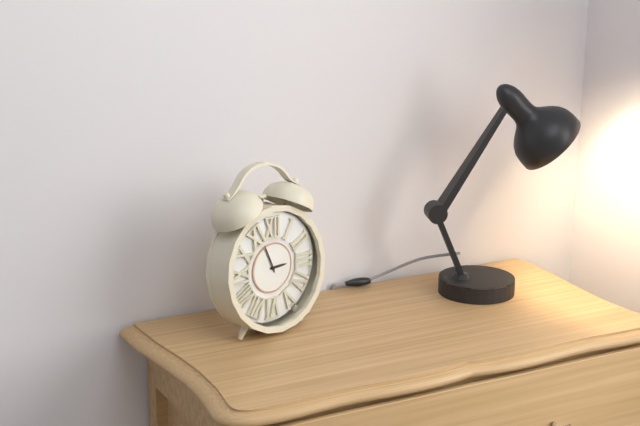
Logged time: 2:56
